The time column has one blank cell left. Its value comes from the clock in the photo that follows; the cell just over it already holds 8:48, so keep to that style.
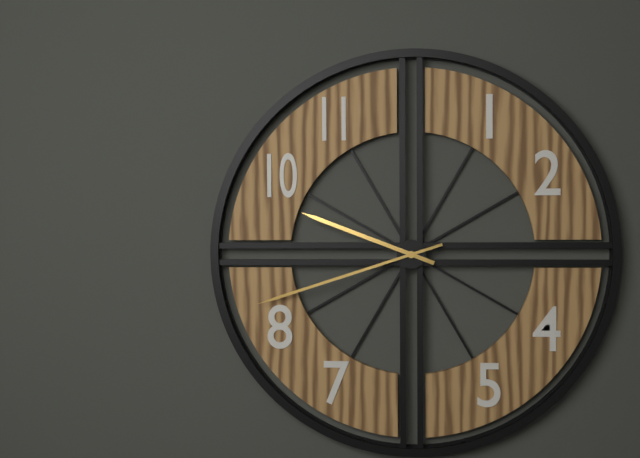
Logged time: 9:42
